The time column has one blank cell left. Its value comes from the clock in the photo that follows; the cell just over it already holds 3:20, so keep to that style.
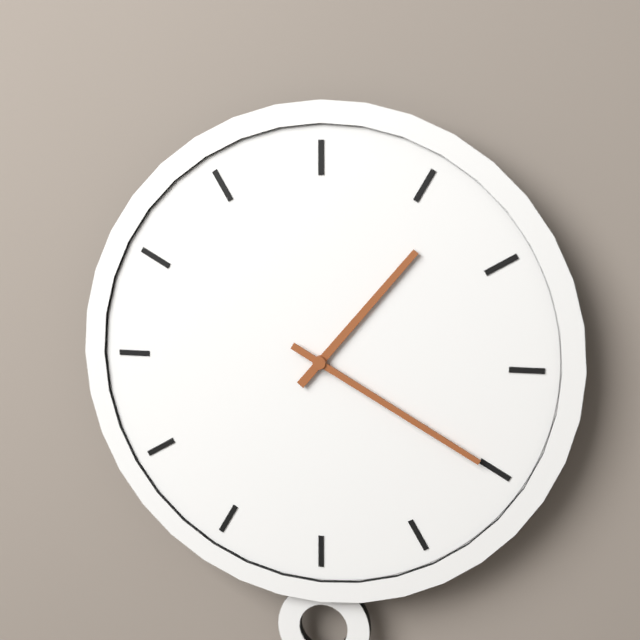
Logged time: 1:20
